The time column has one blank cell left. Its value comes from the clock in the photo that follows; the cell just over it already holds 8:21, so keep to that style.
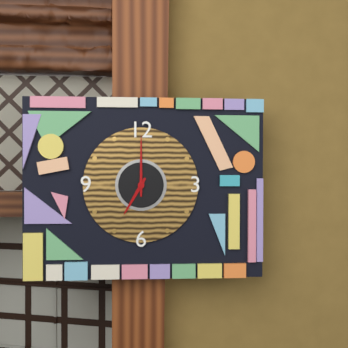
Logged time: 7:00
